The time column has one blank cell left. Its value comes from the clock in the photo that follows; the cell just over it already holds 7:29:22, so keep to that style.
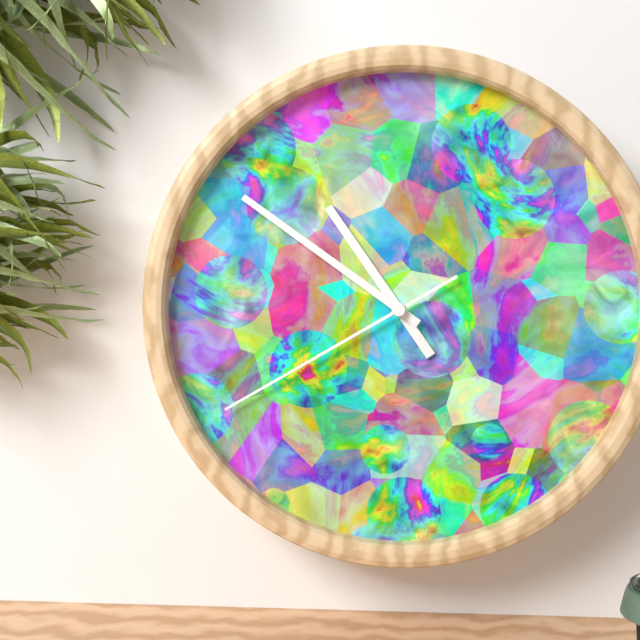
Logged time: 10:51:40
